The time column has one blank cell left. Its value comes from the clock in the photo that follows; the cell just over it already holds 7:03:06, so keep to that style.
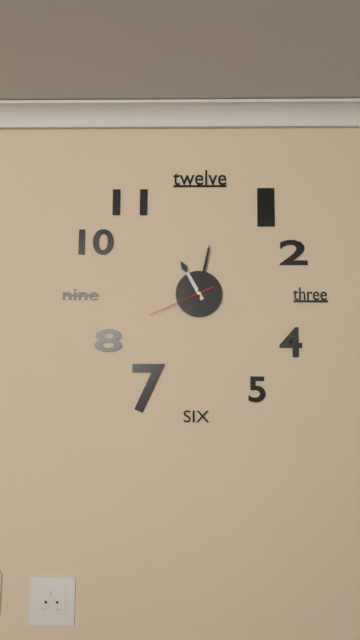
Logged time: 11:02:41
